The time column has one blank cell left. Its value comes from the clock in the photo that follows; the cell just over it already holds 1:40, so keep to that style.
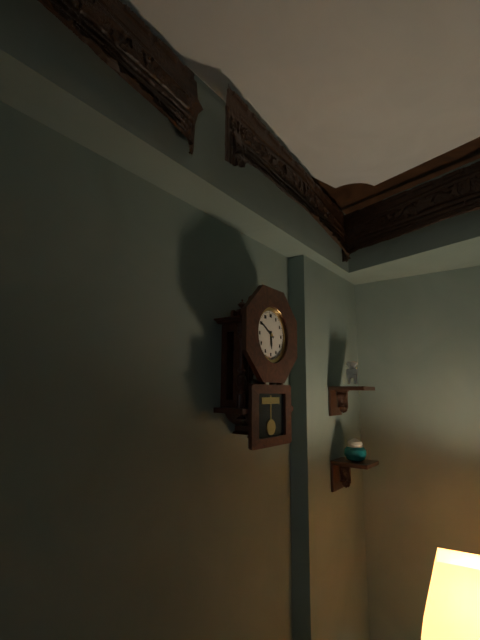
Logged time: 5:50
